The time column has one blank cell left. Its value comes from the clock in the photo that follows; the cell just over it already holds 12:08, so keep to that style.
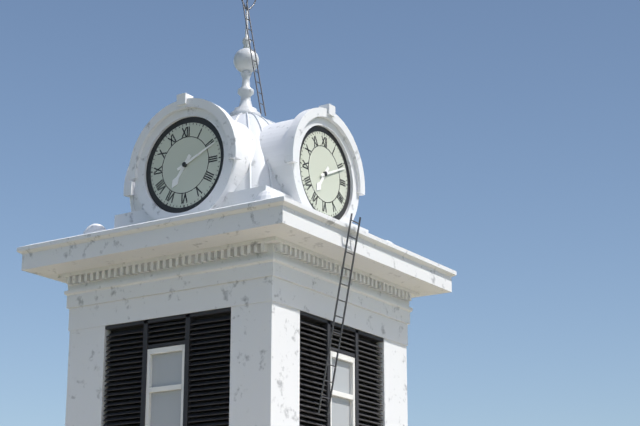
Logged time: 7:11
